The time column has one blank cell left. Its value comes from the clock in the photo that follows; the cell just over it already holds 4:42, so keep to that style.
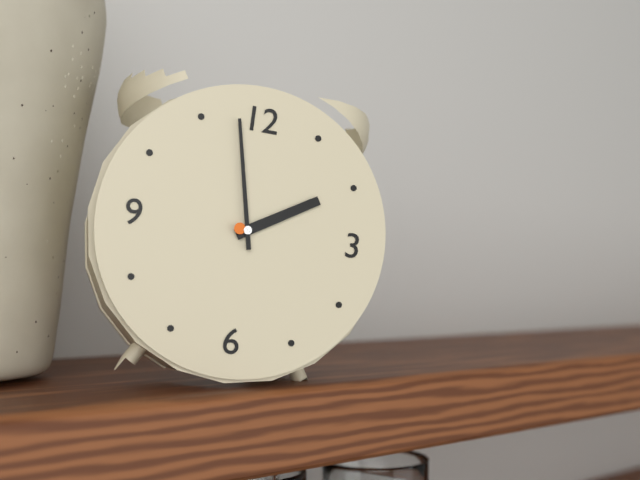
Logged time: 1:58
